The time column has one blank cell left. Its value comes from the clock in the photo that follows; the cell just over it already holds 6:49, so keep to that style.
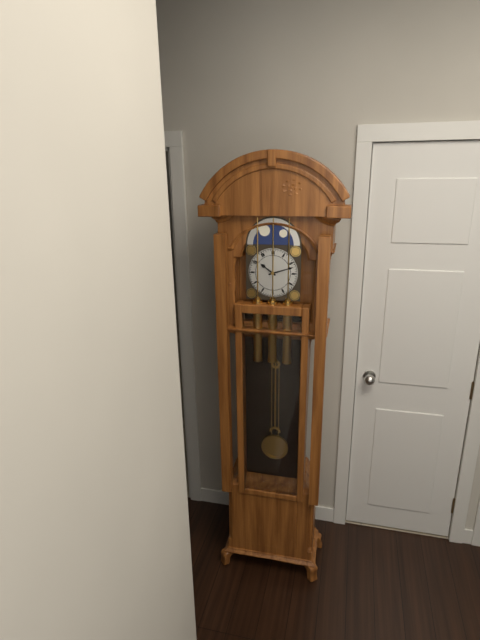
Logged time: 10:12
